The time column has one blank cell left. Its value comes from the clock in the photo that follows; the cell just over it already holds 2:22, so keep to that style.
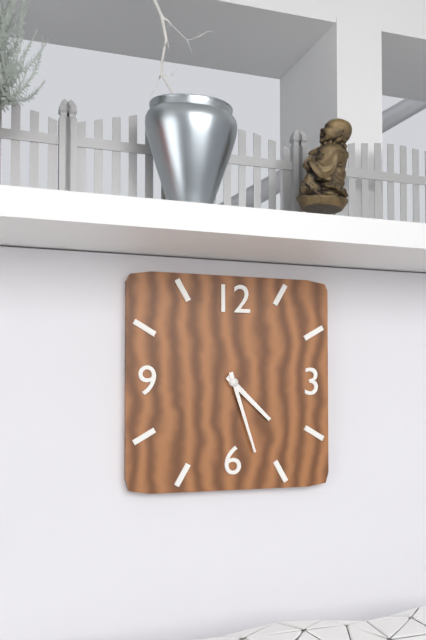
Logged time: 4:27
